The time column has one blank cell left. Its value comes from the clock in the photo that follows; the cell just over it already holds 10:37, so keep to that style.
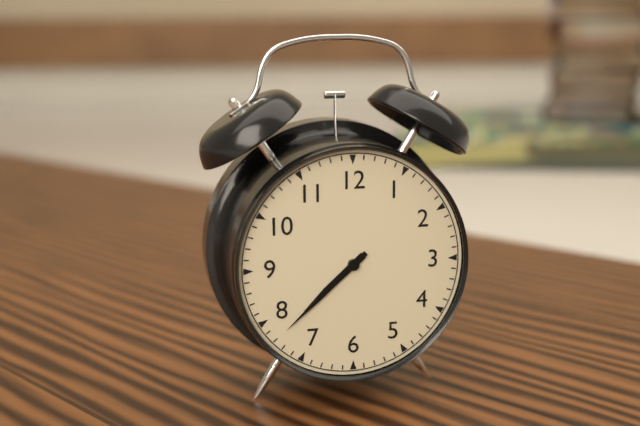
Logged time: 7:38
